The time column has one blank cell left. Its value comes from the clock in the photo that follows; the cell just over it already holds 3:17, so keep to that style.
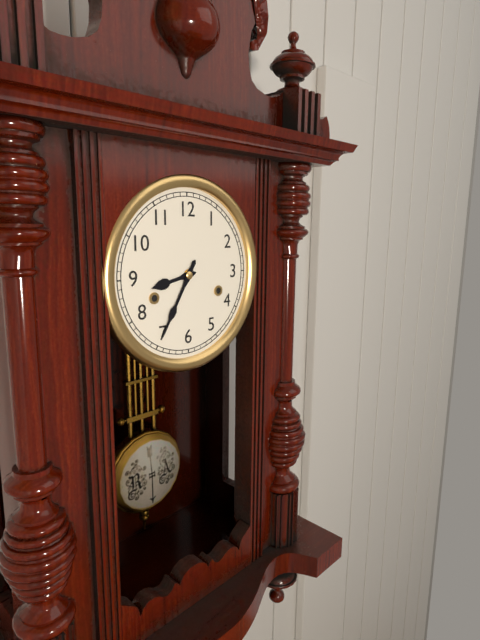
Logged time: 8:35
